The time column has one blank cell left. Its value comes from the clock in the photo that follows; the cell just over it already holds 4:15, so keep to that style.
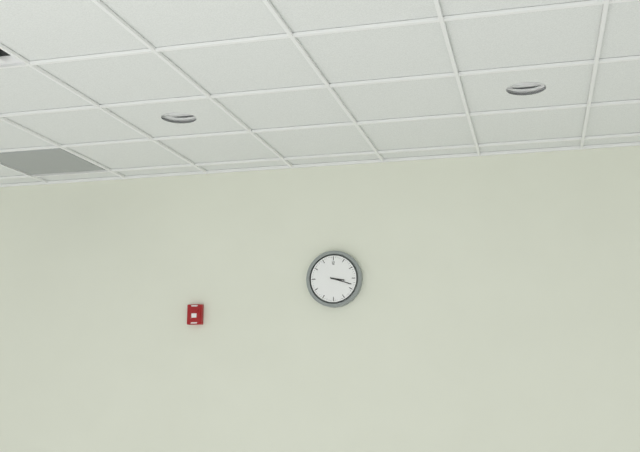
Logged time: 3:18
